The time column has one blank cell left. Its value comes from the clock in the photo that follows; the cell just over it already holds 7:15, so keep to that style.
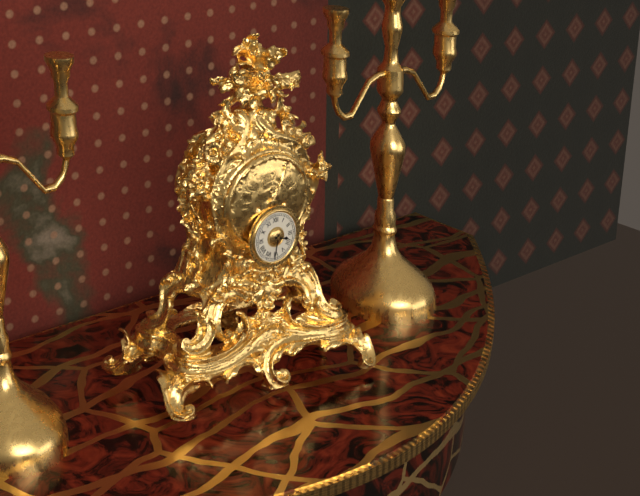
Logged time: 3:32
